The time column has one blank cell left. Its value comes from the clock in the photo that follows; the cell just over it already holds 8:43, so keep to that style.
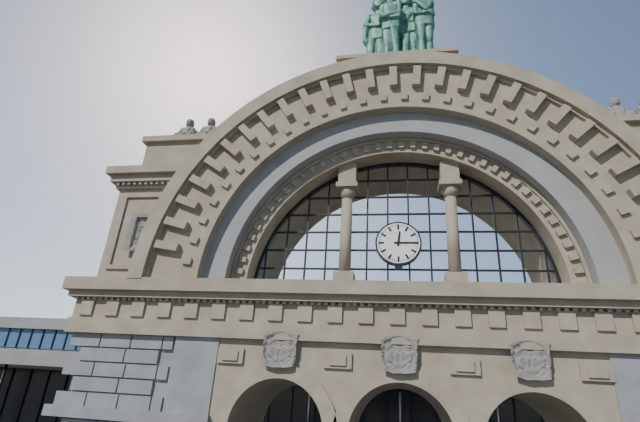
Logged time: 12:15
